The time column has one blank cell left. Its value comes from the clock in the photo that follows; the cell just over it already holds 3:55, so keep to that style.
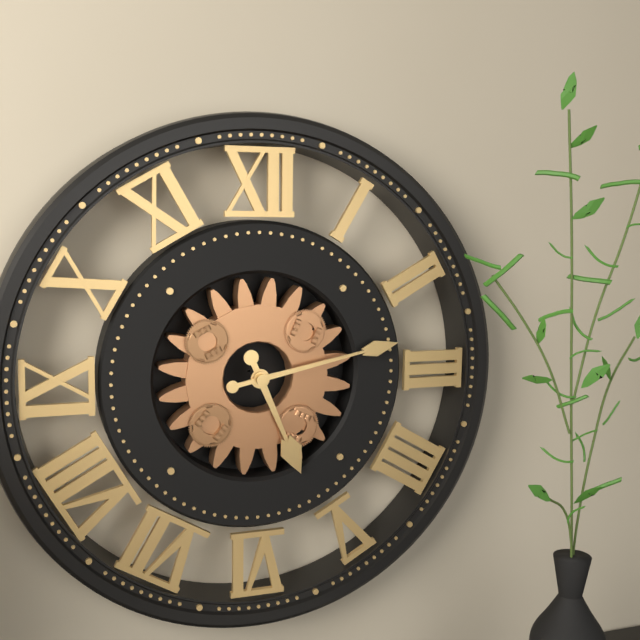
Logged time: 5:13
